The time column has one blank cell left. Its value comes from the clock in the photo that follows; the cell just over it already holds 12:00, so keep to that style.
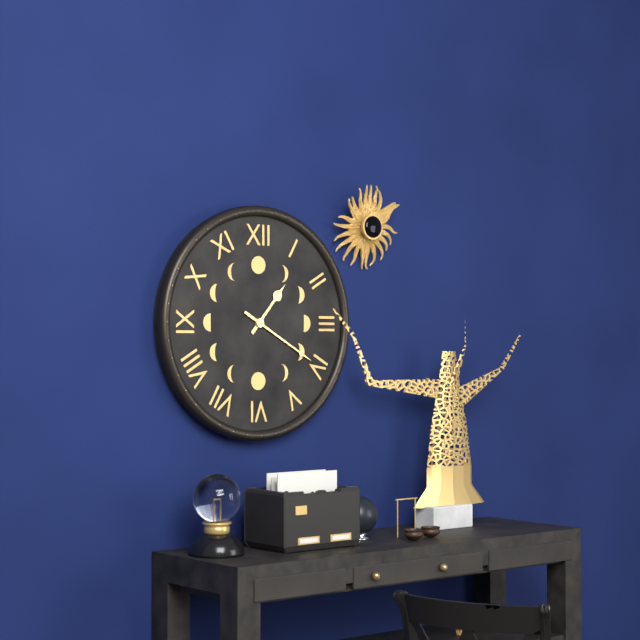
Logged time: 1:20
